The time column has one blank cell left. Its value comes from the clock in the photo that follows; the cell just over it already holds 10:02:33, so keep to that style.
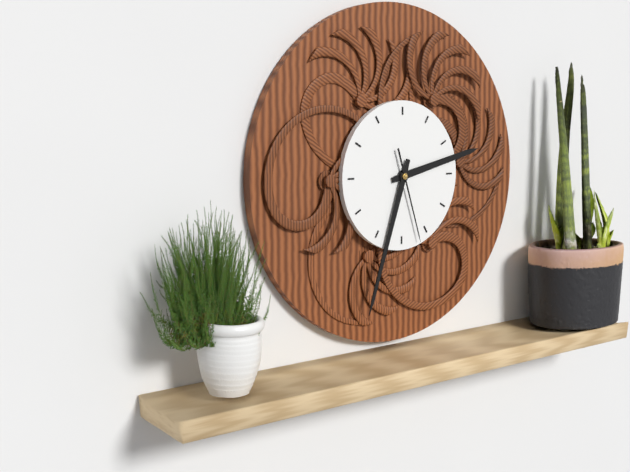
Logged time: 2:33:27
